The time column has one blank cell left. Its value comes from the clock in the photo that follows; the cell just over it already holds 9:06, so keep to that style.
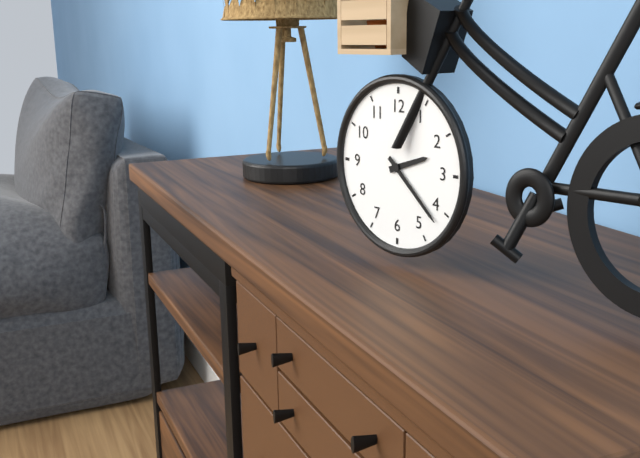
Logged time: 2:22
